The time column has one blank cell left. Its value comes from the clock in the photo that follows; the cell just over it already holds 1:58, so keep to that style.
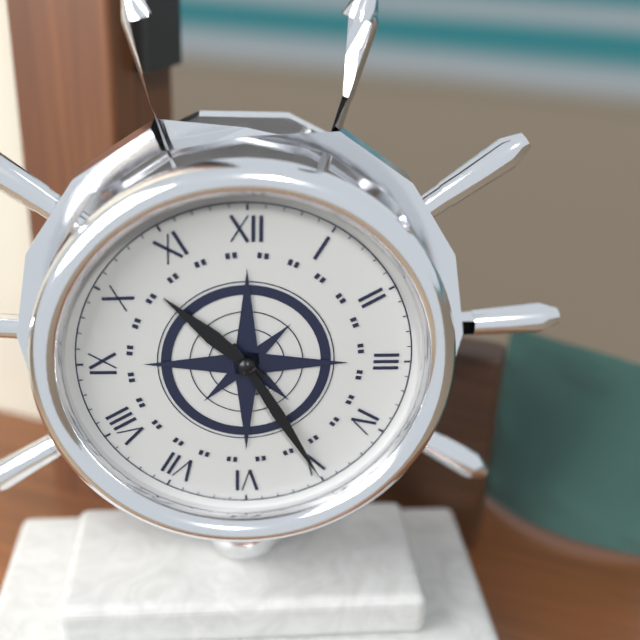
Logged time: 10:25
